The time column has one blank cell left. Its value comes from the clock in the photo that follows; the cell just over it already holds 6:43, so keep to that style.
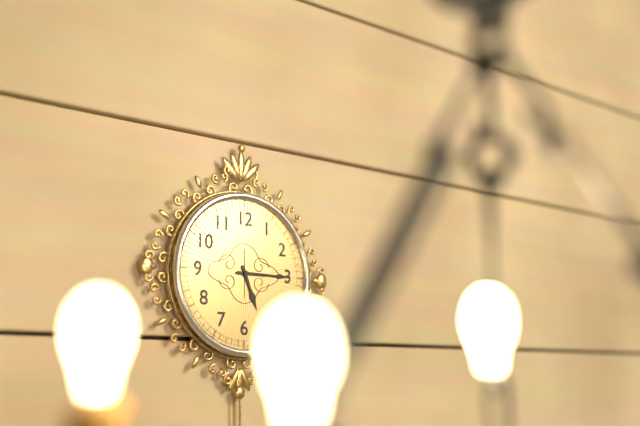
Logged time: 5:15
